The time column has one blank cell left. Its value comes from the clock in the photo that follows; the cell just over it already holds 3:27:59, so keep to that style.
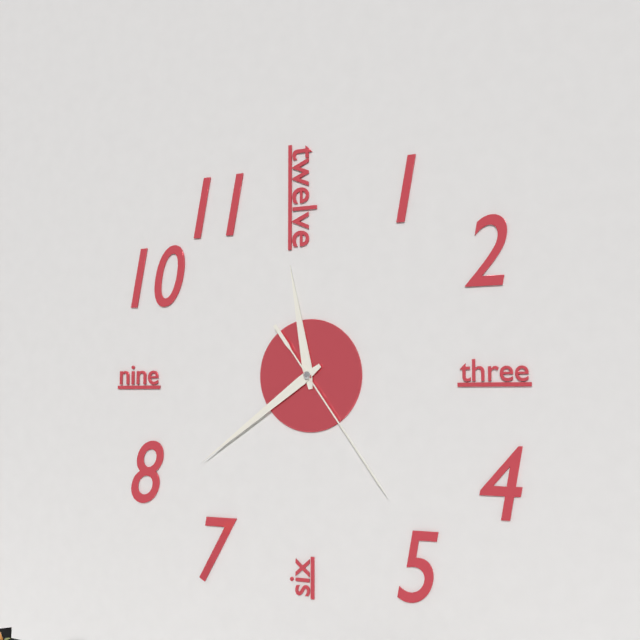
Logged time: 11:39:24
